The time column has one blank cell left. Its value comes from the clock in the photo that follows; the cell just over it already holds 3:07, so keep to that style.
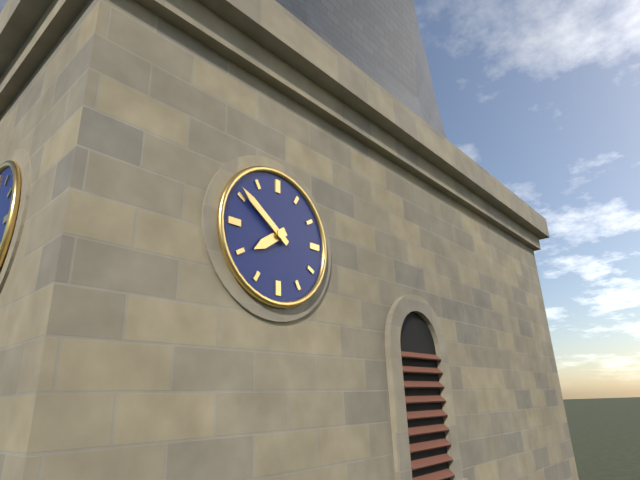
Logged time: 7:51
